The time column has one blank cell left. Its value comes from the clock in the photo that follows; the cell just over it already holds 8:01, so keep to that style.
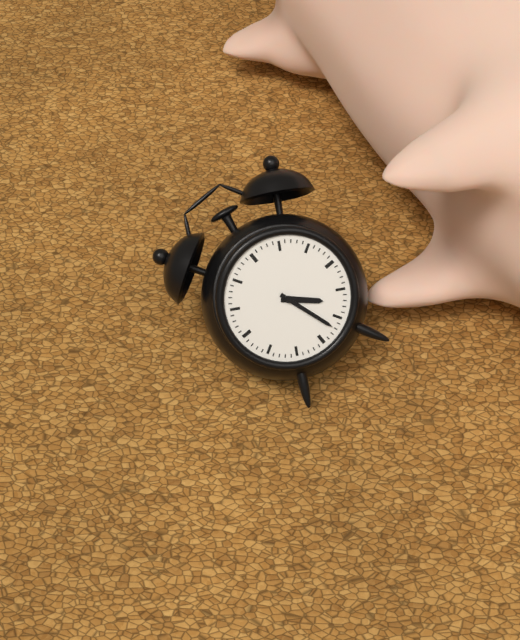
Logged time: 4:27
